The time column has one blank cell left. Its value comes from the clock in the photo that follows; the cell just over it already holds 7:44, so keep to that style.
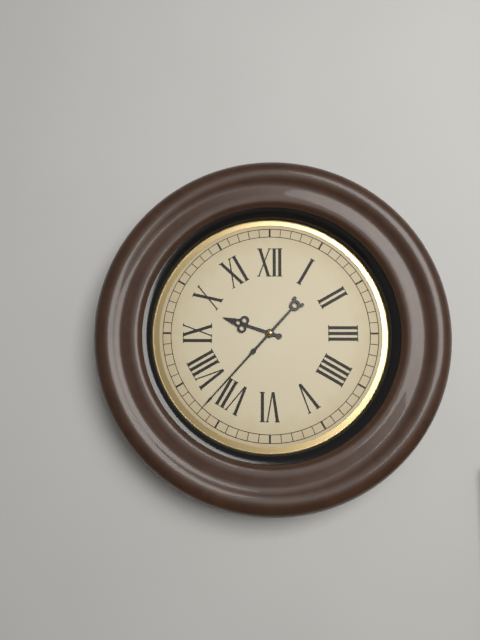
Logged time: 9:37
